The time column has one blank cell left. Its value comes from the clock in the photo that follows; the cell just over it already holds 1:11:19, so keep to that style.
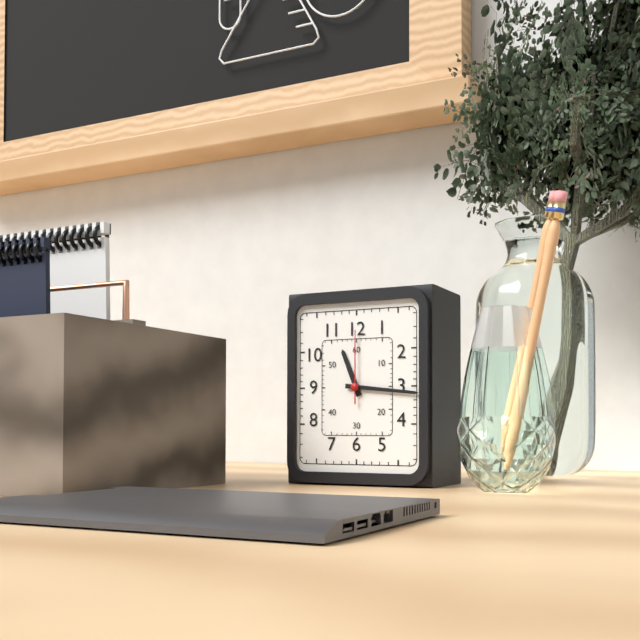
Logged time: 11:16:00
